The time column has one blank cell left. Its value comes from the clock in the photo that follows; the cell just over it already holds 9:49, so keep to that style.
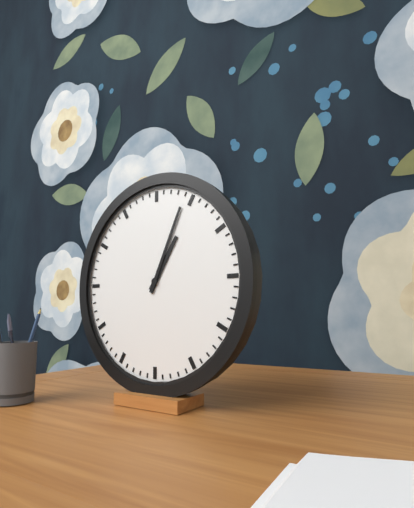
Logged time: 1:04
